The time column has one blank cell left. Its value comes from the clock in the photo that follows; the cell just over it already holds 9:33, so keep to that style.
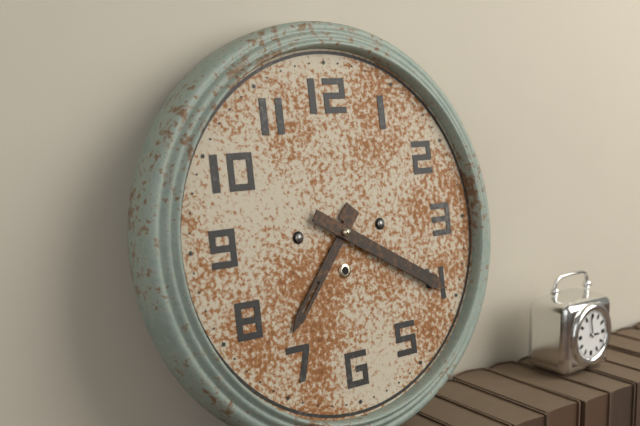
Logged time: 7:20
